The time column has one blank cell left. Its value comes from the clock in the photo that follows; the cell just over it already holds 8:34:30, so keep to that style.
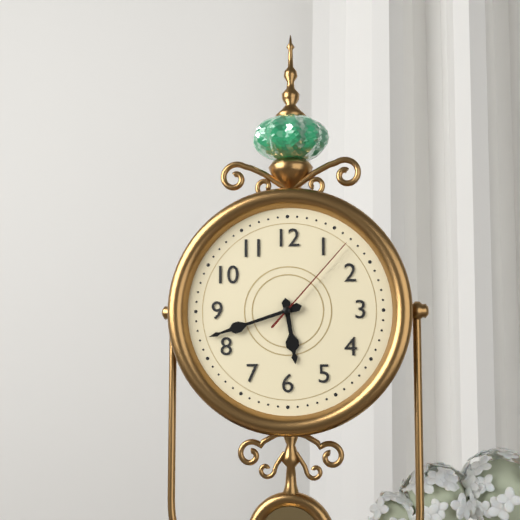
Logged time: 5:42:07
